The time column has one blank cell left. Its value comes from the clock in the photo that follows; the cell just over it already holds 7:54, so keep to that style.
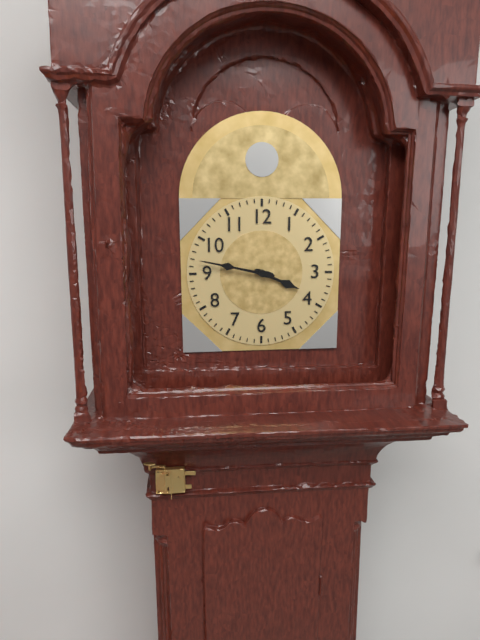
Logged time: 3:47
